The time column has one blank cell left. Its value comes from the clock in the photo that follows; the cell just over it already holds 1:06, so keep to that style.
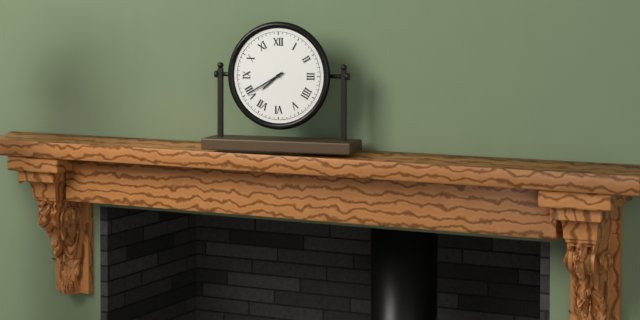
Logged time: 7:40
